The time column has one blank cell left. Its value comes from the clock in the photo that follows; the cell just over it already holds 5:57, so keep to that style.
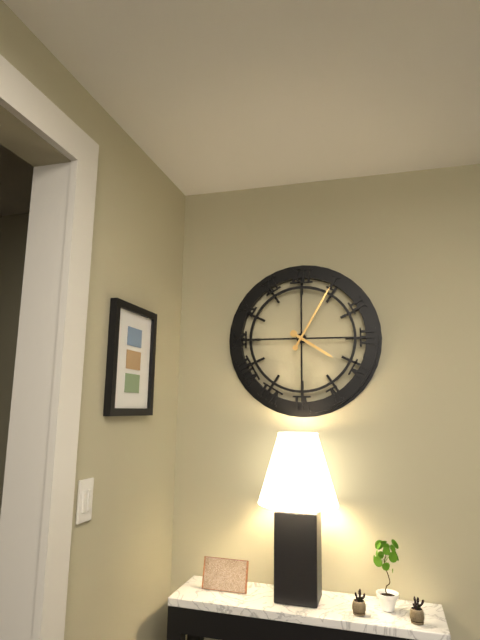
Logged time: 4:05
